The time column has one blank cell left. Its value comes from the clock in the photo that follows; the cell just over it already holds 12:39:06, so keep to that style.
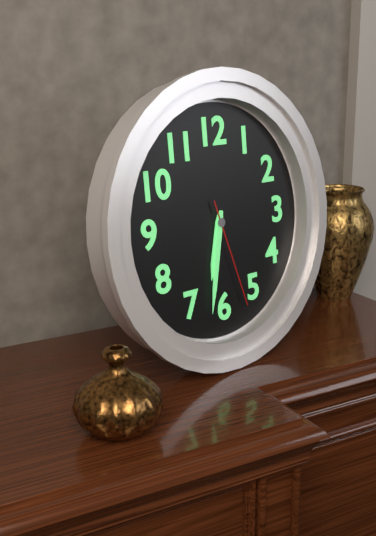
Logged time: 6:32:27
